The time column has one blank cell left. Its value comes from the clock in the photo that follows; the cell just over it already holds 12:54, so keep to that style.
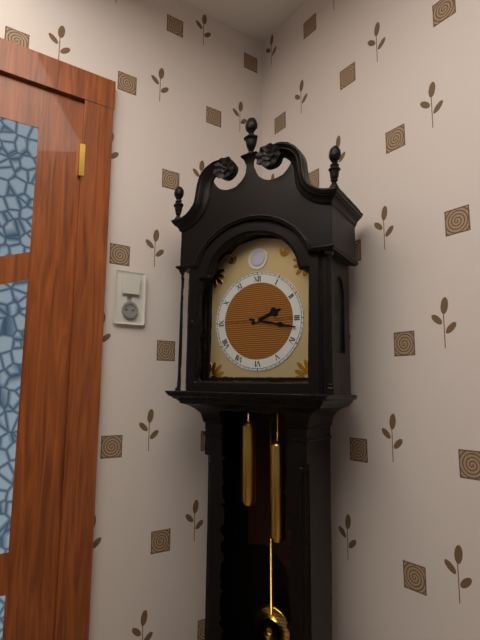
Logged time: 2:17
